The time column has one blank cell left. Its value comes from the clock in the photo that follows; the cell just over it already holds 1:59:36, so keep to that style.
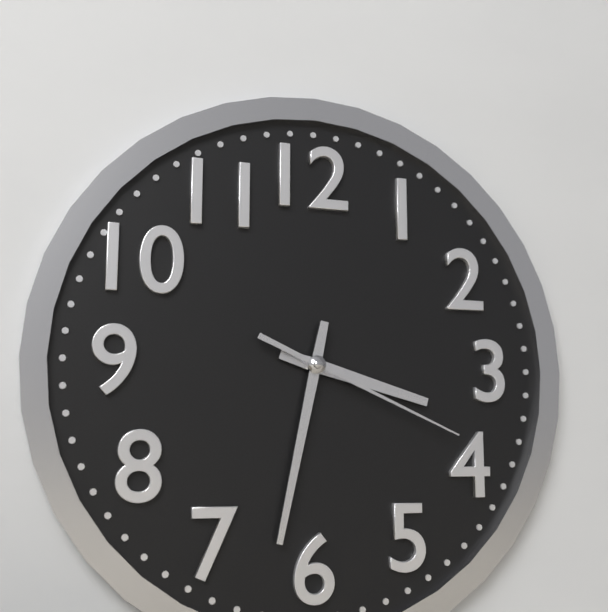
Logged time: 3:32:19
